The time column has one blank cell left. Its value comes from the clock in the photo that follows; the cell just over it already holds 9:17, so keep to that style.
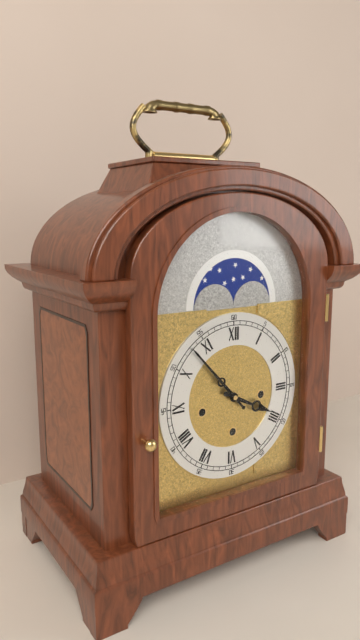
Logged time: 3:53
